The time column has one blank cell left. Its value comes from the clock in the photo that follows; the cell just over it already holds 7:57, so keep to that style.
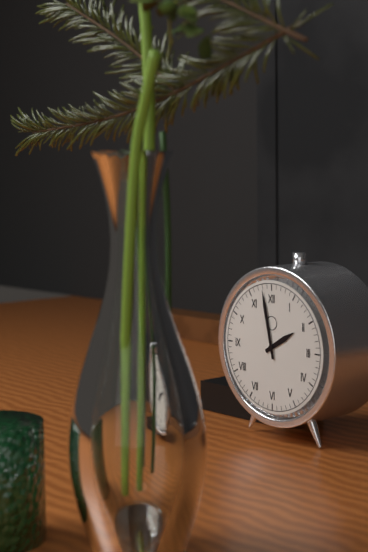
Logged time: 1:58
